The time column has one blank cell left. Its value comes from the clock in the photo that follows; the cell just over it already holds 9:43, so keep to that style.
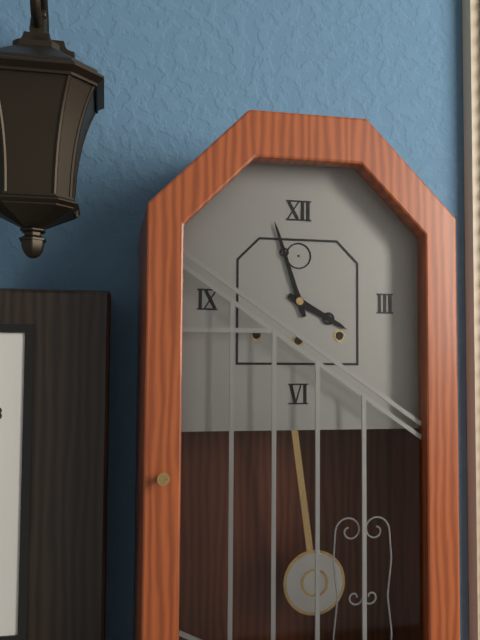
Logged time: 3:57
